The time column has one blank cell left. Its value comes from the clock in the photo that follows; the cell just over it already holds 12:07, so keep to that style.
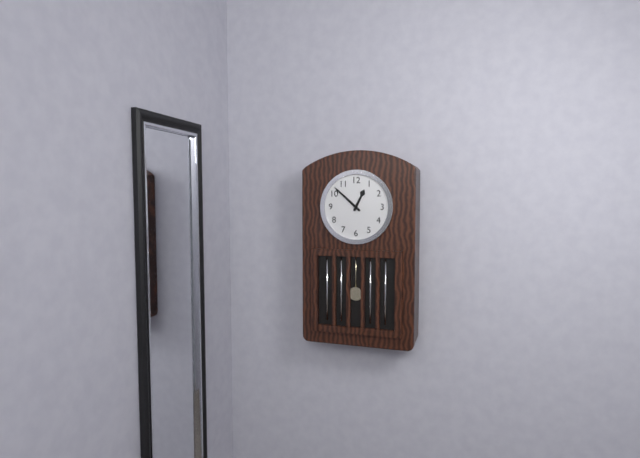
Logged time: 12:52
